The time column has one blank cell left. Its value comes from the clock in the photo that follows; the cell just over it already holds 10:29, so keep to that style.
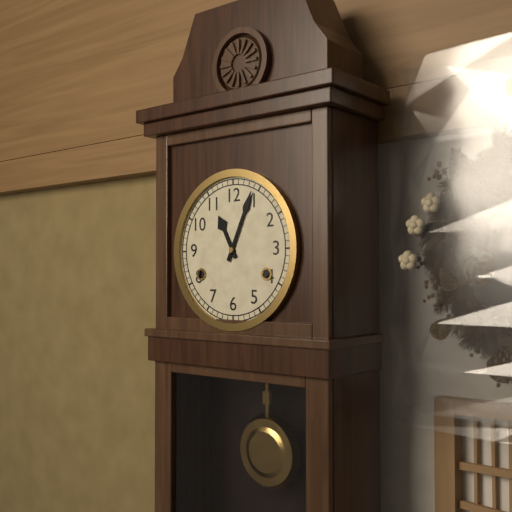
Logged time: 11:04
